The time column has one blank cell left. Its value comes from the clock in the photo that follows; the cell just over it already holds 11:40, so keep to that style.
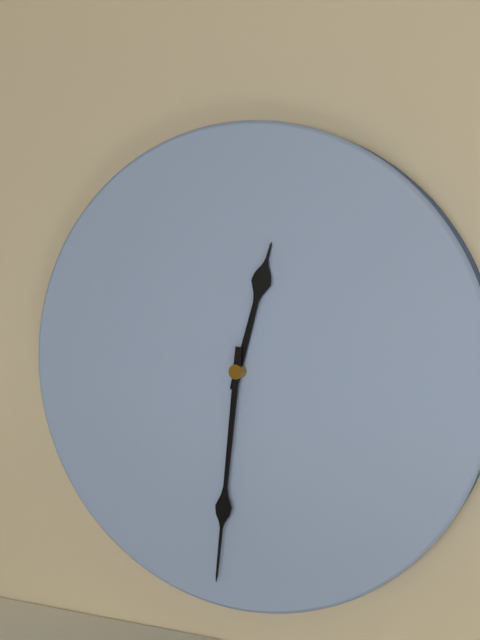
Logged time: 12:31
